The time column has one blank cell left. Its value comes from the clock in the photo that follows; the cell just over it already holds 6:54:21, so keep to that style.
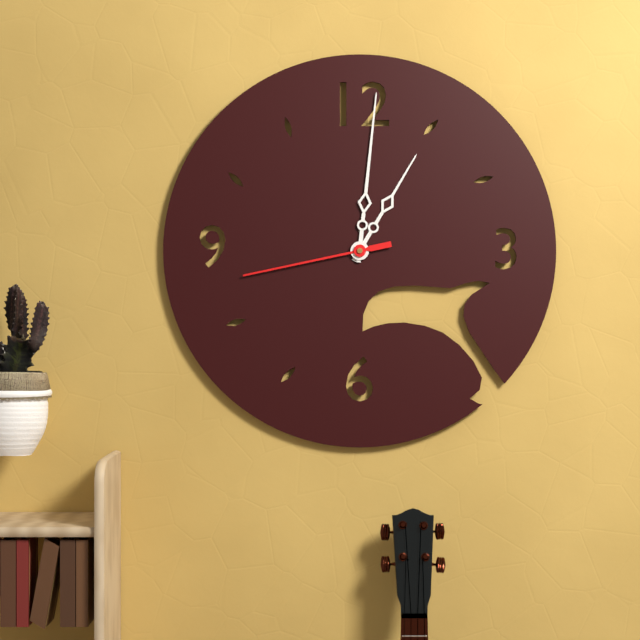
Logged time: 1:01:43
